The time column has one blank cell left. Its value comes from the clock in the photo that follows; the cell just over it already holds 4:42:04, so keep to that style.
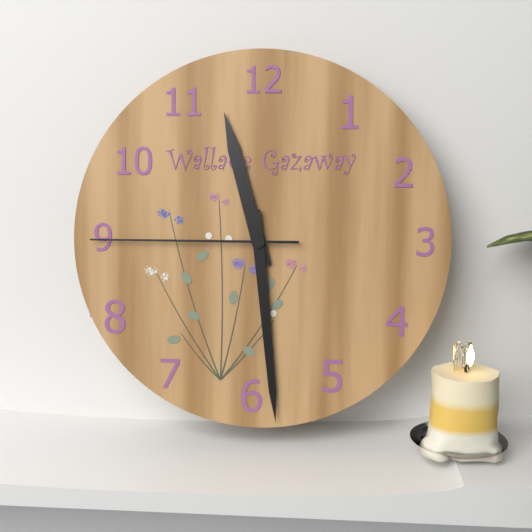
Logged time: 11:29:45
